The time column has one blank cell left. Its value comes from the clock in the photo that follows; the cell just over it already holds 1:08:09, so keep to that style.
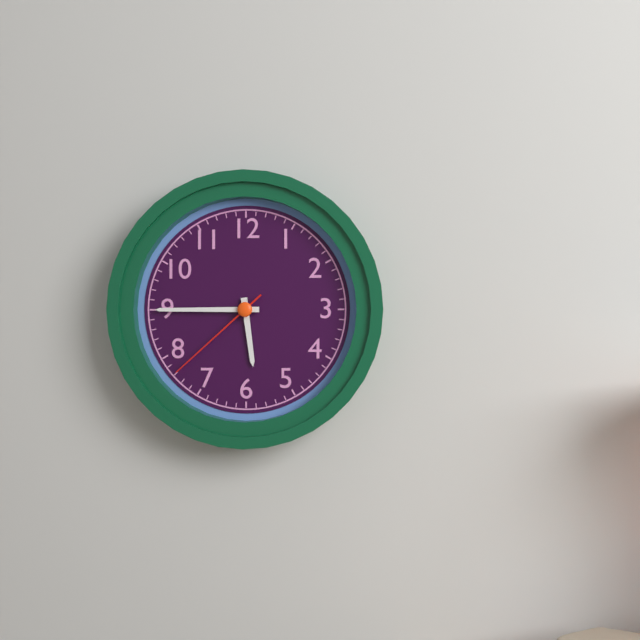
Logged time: 5:45:38
